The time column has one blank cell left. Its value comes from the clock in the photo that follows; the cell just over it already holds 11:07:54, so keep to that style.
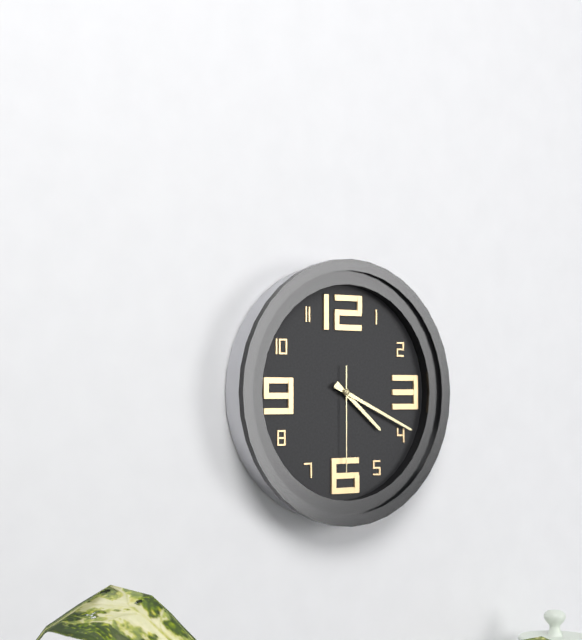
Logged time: 4:19:30
